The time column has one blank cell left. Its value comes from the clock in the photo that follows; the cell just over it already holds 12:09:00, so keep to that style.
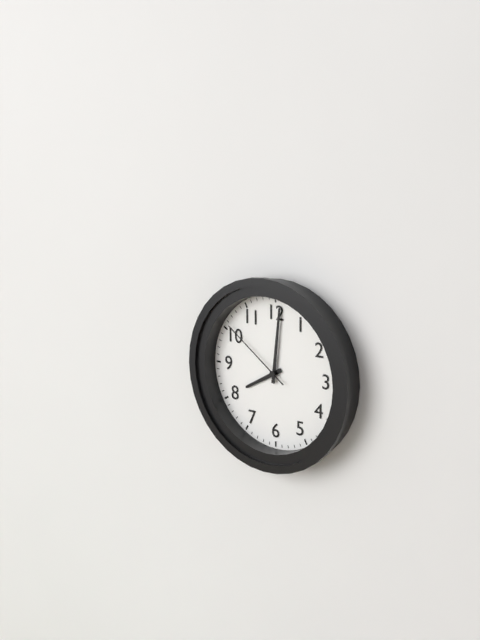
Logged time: 8:01:51
